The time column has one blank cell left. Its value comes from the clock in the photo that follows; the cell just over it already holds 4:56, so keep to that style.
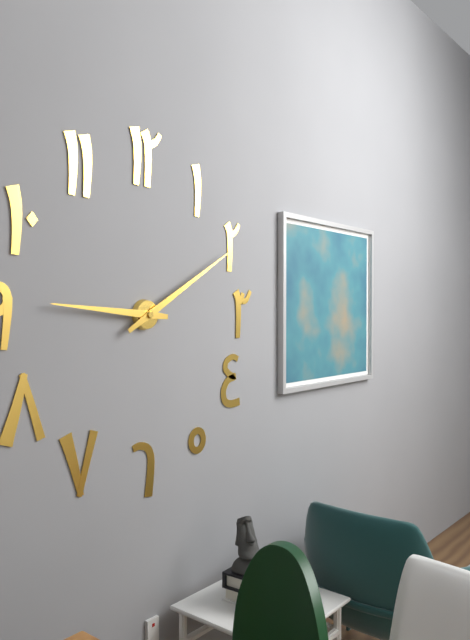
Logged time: 9:10
